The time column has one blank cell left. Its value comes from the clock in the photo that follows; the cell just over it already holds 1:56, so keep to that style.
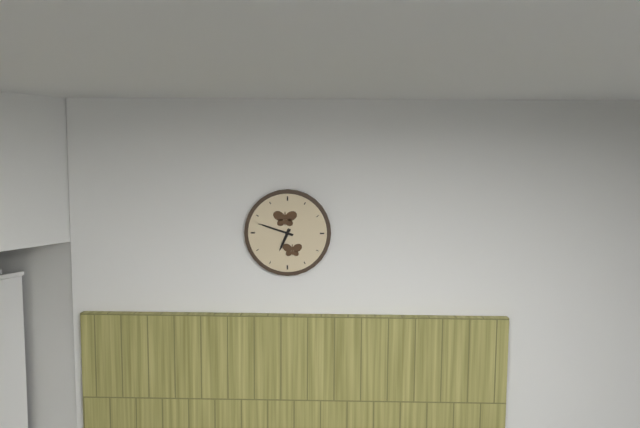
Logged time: 6:48
